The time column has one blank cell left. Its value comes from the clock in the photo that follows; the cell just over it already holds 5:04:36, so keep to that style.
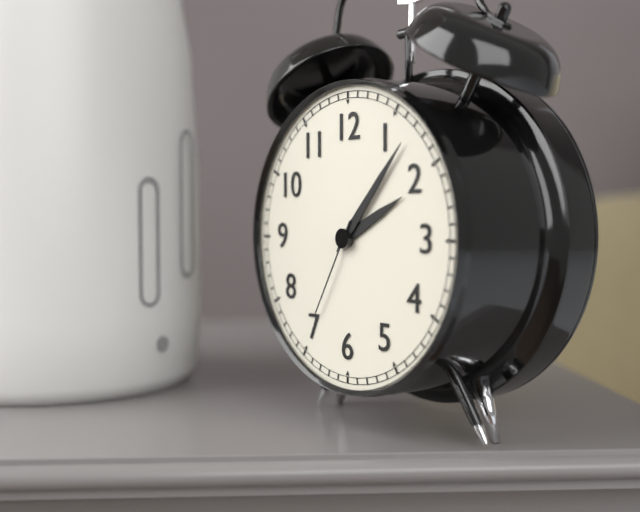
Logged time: 2:07:35
